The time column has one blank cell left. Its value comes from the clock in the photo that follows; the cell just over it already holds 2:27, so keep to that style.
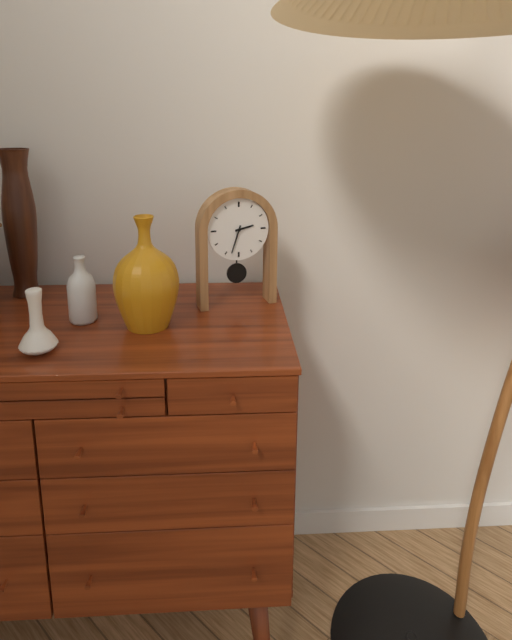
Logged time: 2:33
